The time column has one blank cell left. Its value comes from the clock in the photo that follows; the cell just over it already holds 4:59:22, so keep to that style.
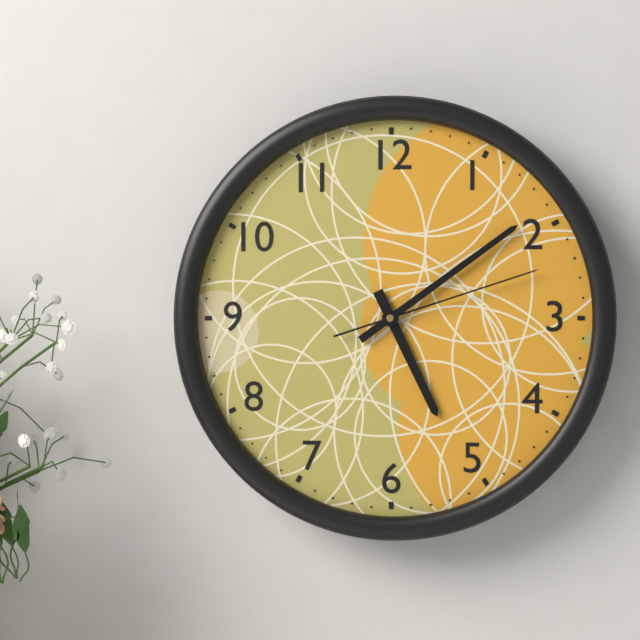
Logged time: 5:09:12
